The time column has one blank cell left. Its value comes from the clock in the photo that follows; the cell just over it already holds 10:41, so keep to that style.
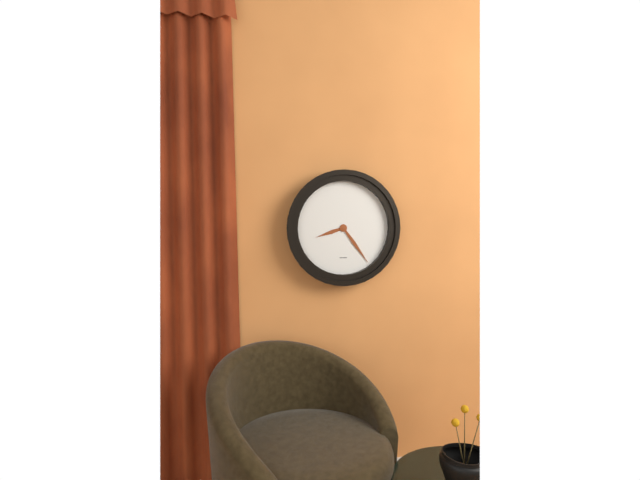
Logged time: 8:24
